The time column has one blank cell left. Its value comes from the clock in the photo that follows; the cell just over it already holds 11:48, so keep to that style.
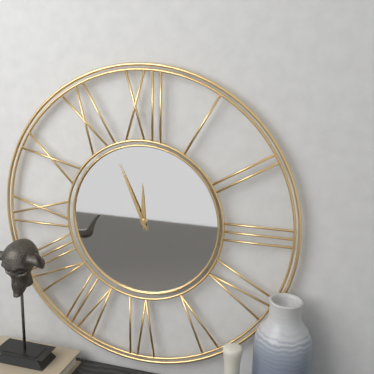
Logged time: 11:56
